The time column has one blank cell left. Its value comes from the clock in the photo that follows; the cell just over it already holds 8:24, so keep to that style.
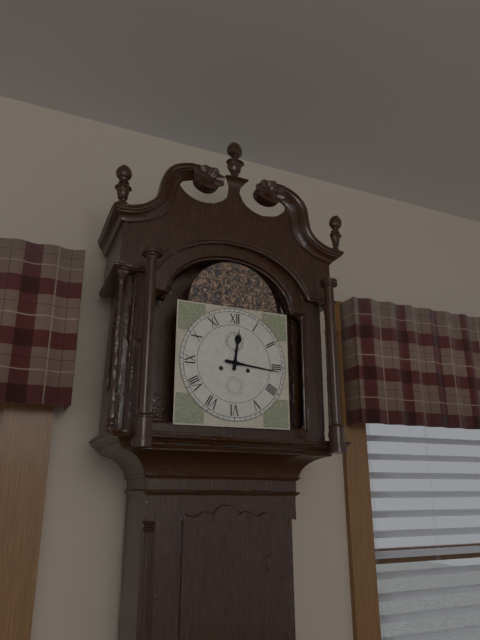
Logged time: 12:16
